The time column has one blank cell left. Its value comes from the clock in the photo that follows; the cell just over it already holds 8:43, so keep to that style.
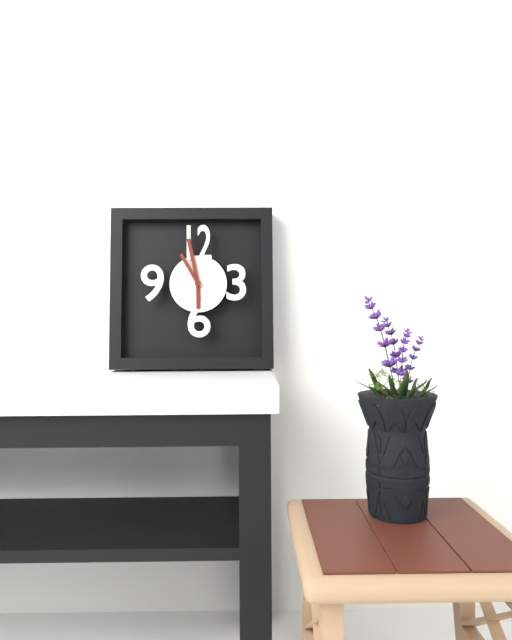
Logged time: 5:58
